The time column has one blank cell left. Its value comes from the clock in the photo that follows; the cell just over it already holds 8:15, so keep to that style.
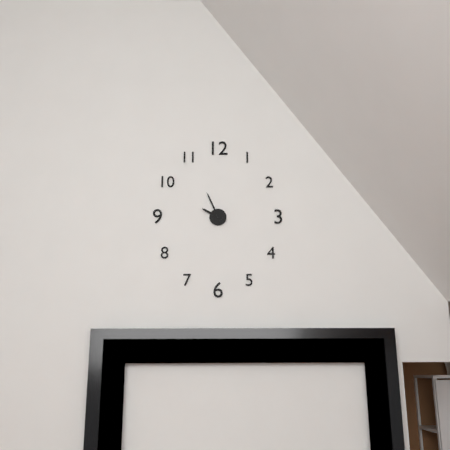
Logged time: 9:56
